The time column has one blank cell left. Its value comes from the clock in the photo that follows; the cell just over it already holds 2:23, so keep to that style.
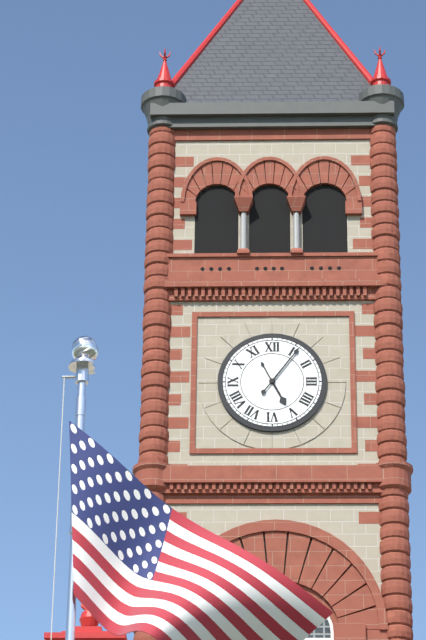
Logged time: 5:06
